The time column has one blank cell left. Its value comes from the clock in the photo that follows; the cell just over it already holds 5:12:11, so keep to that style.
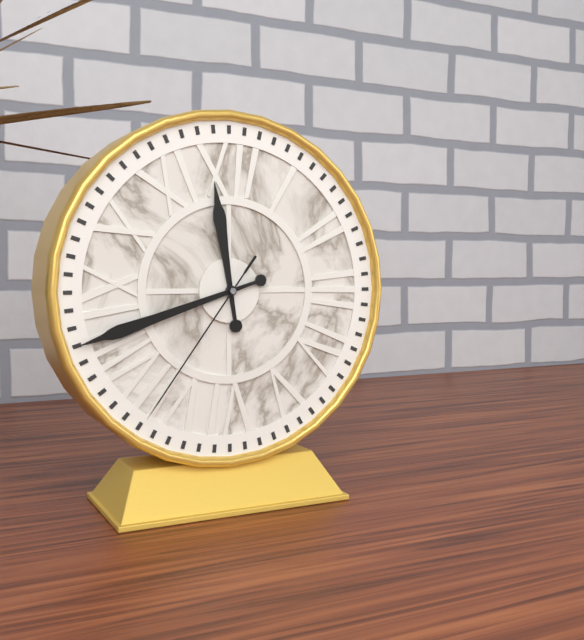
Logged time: 11:42:36
